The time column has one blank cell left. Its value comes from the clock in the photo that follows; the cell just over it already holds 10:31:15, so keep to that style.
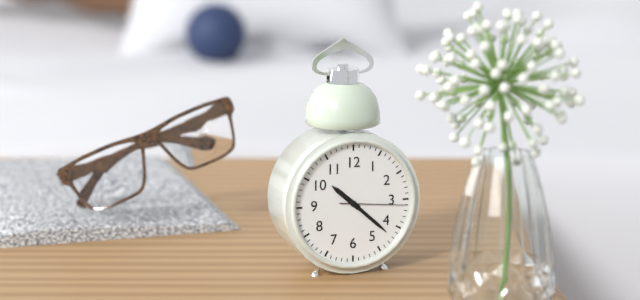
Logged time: 10:22:16
